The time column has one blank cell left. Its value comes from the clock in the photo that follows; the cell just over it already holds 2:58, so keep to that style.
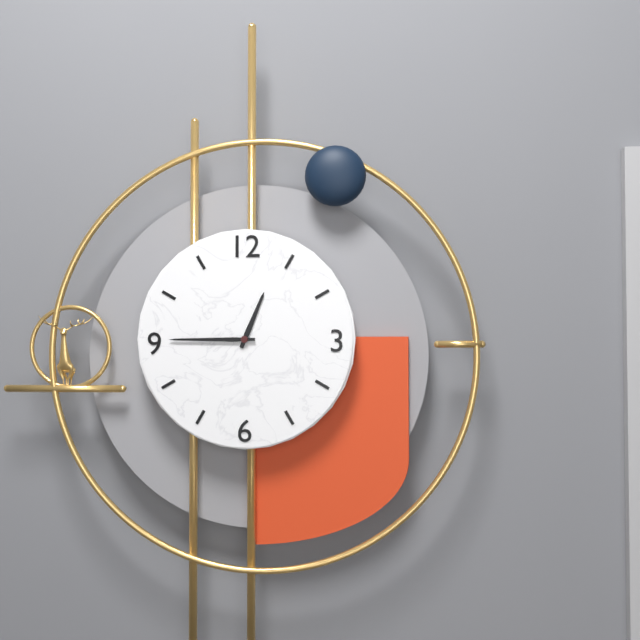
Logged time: 12:45
